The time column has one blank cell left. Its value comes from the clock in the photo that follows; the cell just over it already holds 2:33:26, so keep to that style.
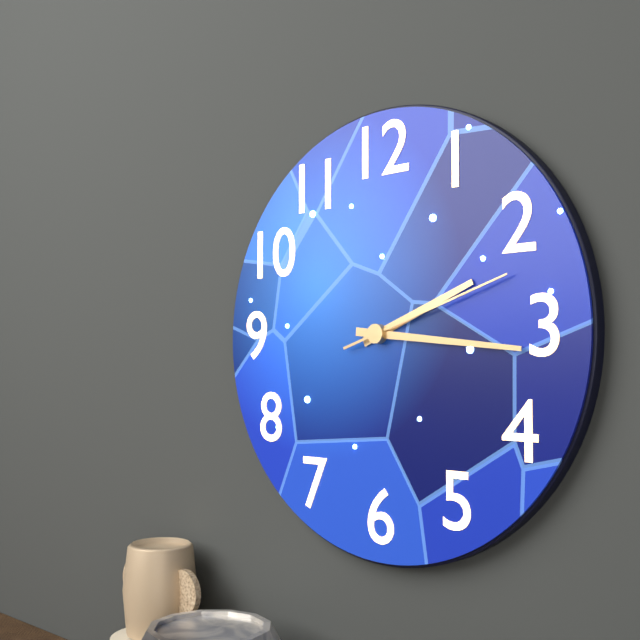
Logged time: 2:16:12
